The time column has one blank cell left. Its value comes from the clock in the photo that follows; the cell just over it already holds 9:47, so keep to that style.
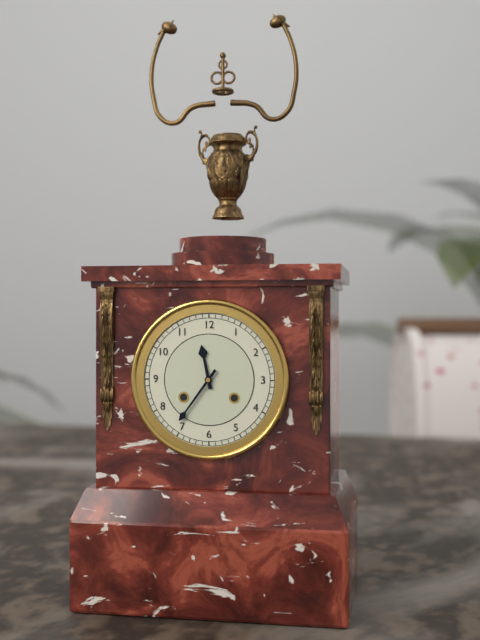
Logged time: 11:36
